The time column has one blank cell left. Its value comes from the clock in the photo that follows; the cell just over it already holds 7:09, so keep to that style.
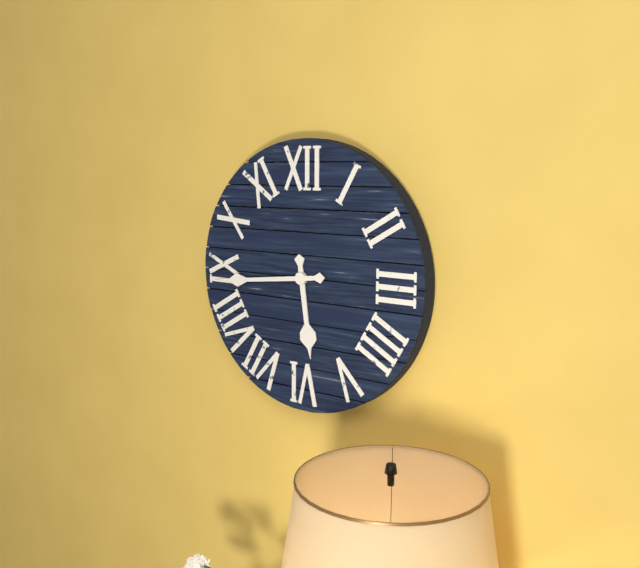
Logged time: 5:44
